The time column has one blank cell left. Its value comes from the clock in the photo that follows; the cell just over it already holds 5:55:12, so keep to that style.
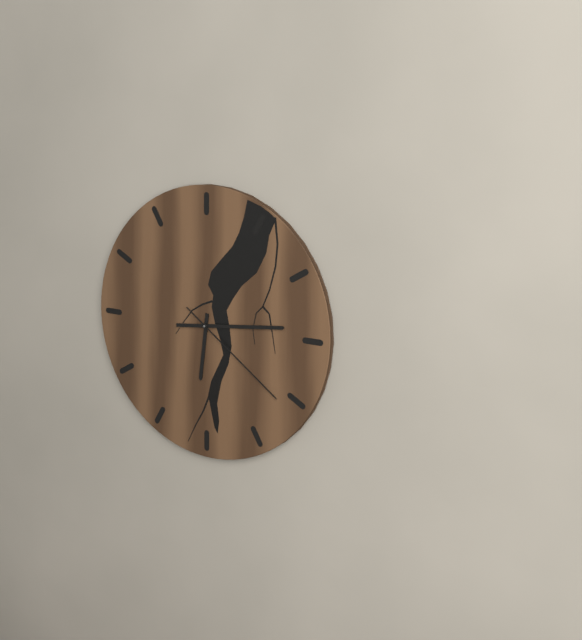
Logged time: 6:14:21
